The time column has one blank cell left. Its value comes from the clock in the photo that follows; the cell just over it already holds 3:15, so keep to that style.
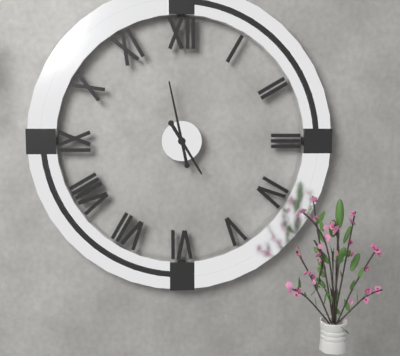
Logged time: 4:58
